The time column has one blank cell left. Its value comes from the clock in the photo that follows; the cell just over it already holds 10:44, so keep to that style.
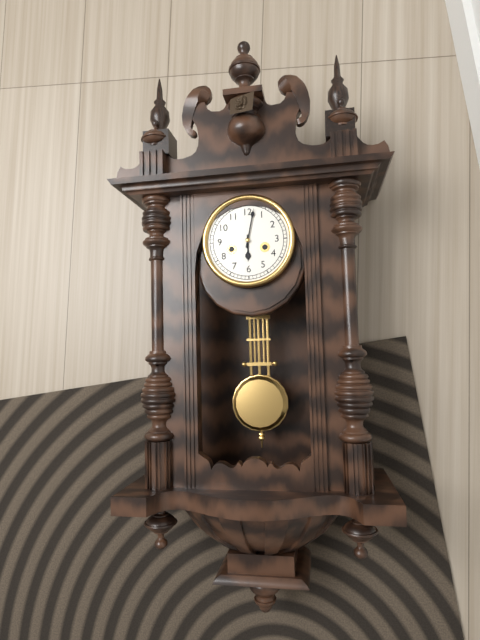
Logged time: 6:02
